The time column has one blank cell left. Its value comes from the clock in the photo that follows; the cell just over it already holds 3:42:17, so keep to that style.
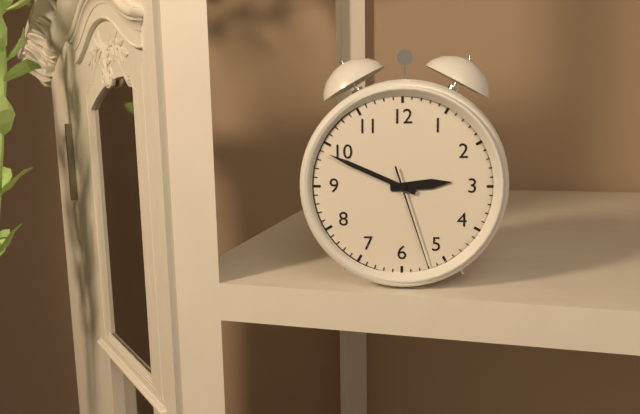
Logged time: 2:49:27
